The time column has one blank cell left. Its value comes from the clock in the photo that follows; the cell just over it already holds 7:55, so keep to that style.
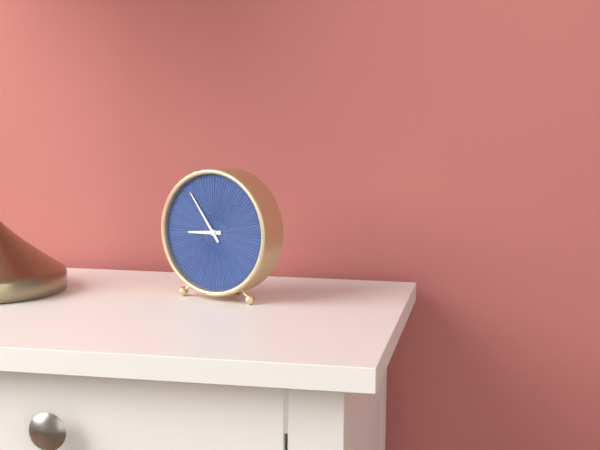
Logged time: 8:54
